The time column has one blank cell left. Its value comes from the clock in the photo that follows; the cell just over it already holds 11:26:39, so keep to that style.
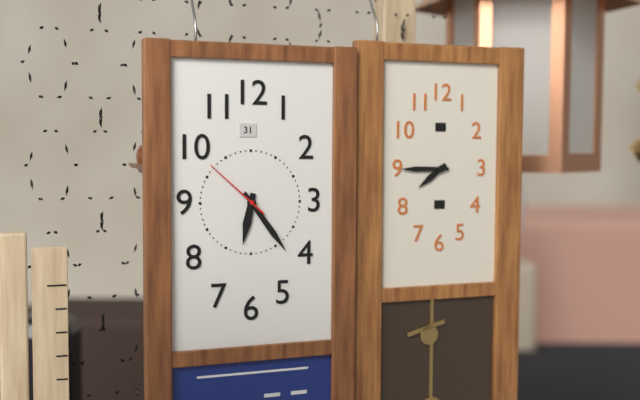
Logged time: 6:24:52
